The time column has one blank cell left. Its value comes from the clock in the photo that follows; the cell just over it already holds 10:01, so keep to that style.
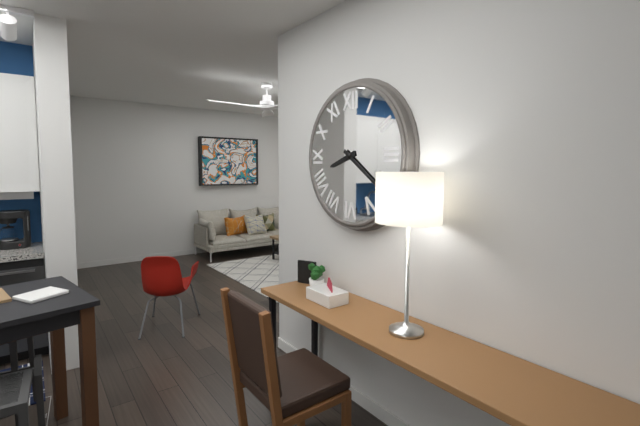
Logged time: 8:21
